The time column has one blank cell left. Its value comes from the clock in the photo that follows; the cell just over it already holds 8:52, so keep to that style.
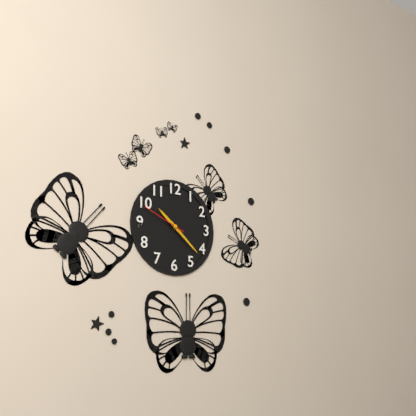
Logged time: 10:22
